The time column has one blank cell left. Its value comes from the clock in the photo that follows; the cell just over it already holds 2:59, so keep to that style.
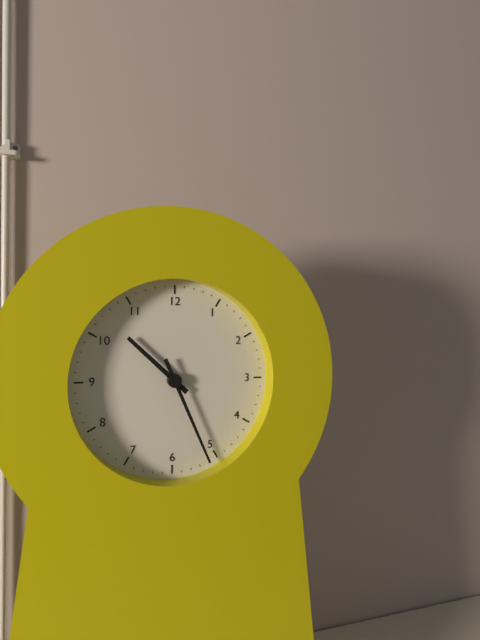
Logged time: 10:26
